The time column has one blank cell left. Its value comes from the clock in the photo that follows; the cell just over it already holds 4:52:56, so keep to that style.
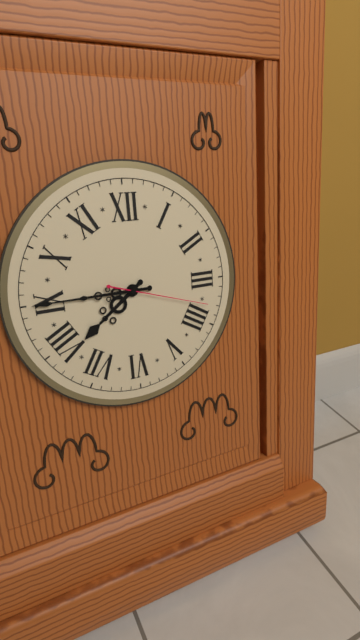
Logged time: 7:45:18
